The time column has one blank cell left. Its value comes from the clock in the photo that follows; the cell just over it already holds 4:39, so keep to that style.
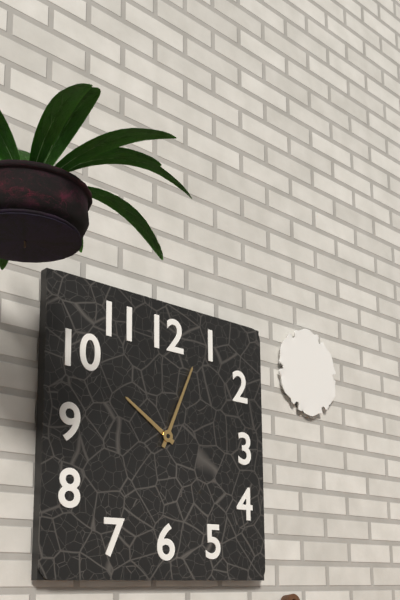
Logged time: 10:04
